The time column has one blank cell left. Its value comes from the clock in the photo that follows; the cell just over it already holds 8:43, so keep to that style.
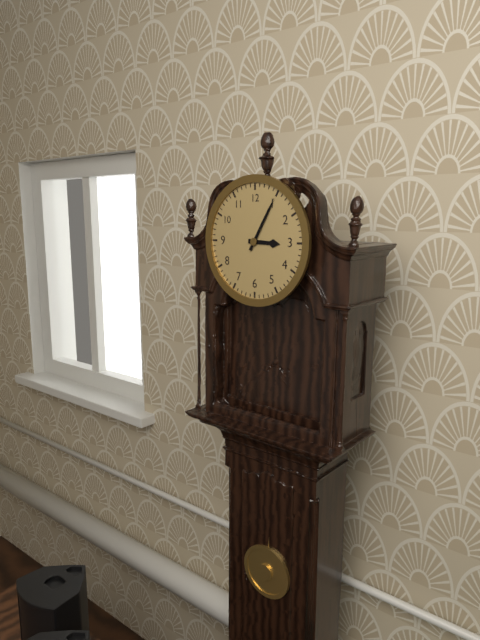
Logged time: 3:05
